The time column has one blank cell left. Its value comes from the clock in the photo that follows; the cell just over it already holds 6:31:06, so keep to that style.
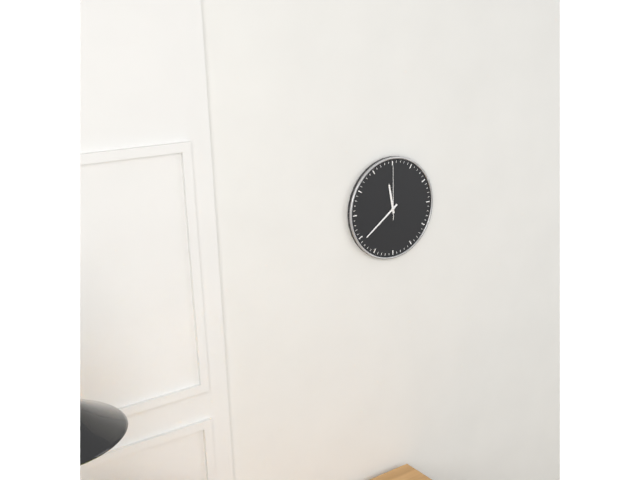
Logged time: 11:39:00
